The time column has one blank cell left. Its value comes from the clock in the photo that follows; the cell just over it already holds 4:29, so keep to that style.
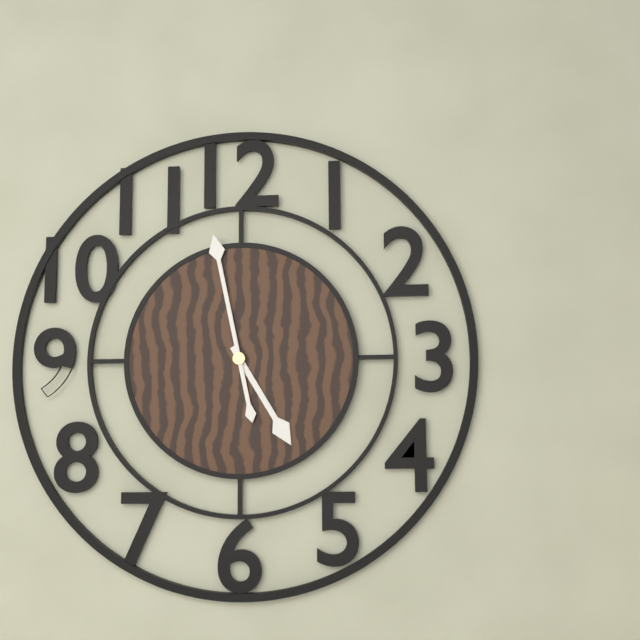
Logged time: 4:58
